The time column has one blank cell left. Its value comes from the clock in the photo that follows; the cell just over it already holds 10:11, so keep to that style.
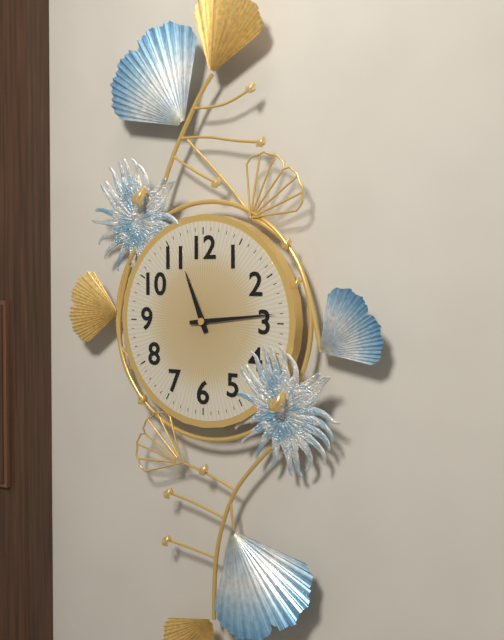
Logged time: 11:14
